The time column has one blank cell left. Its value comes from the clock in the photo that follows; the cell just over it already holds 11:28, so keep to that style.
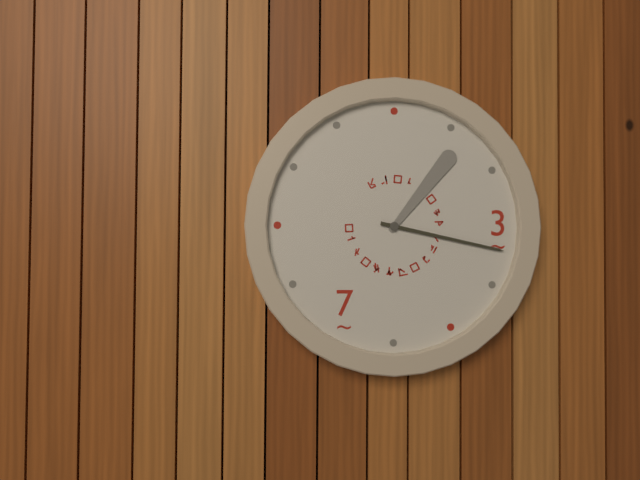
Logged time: 1:17
